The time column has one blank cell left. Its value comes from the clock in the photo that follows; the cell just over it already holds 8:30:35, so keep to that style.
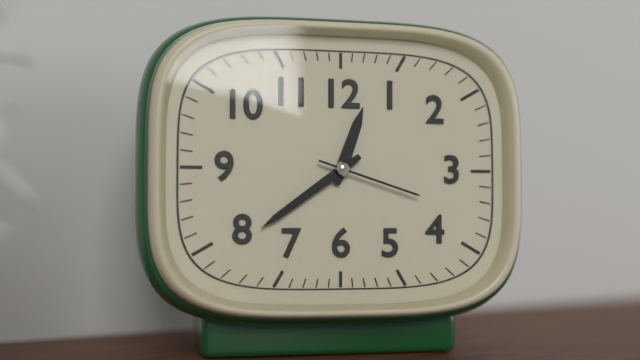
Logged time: 12:39:18
